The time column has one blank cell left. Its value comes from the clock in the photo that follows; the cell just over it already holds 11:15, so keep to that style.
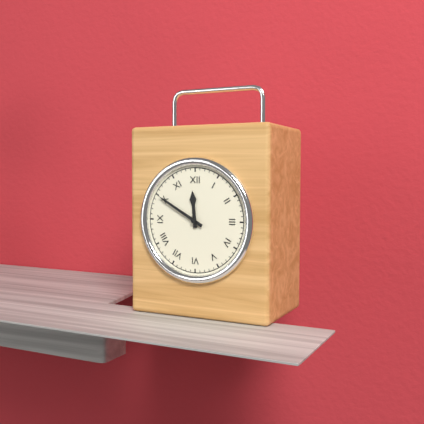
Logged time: 11:50
